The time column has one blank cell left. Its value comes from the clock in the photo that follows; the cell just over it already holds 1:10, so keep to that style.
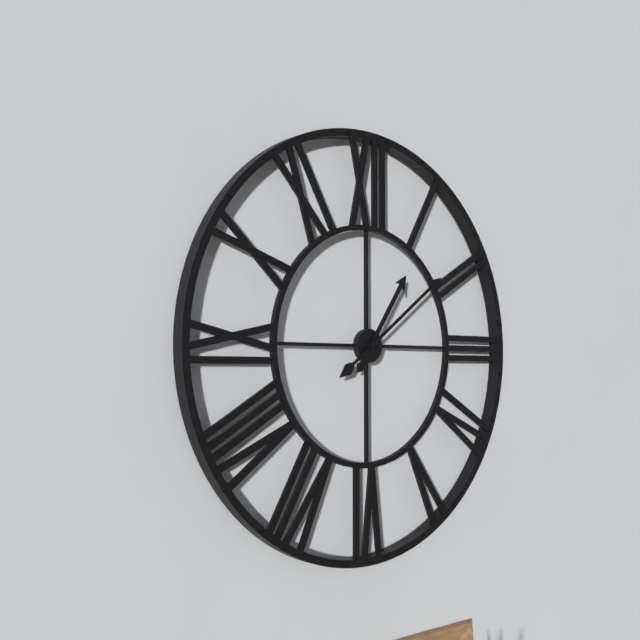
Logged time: 1:09
